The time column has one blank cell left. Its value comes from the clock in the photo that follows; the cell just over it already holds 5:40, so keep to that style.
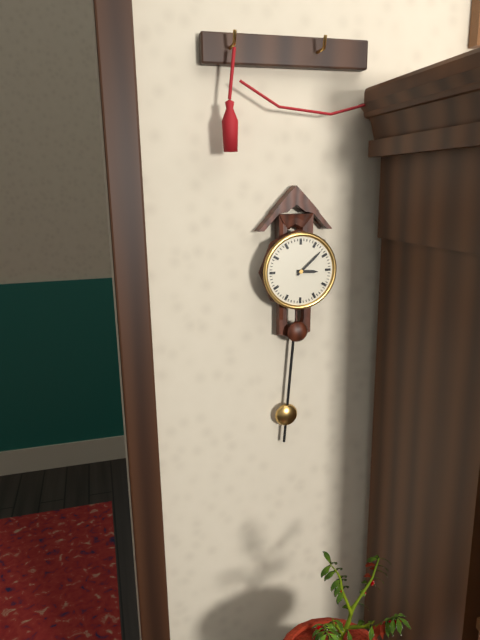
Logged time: 3:08
